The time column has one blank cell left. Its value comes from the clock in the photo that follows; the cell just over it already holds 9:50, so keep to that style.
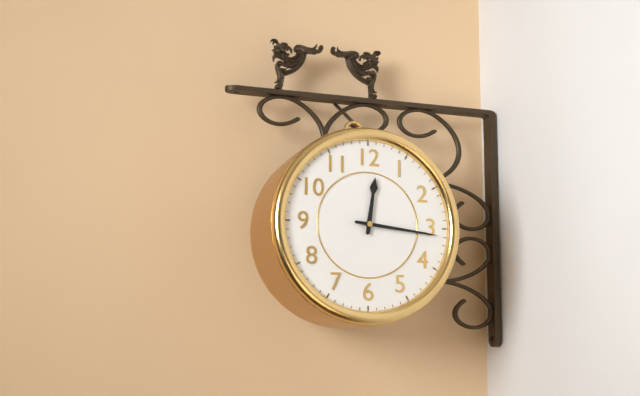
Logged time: 12:16
